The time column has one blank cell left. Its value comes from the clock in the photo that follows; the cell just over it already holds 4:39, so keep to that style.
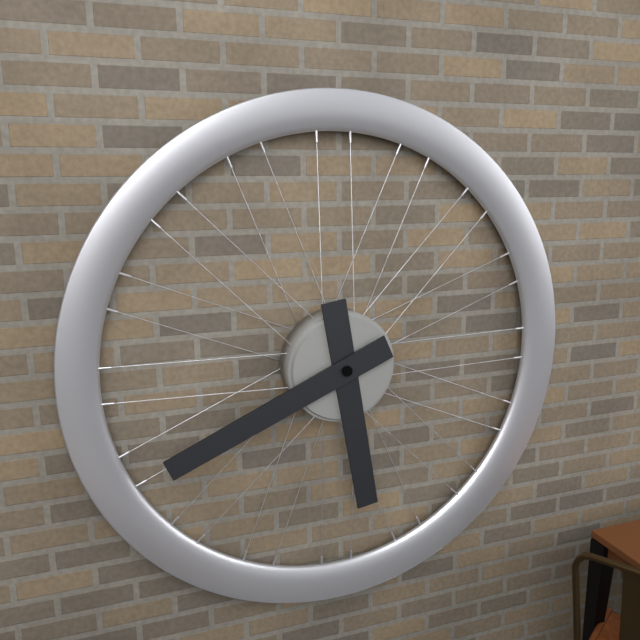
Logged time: 5:41
